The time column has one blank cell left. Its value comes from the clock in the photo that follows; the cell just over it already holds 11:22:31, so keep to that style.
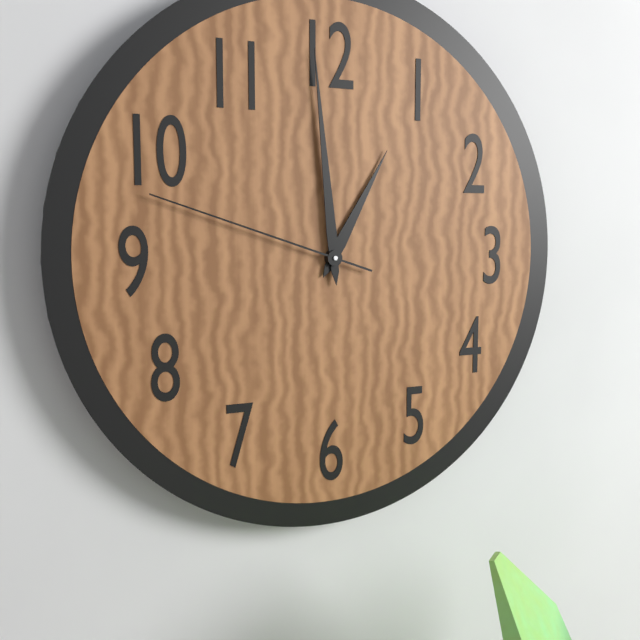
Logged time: 12:59:48
